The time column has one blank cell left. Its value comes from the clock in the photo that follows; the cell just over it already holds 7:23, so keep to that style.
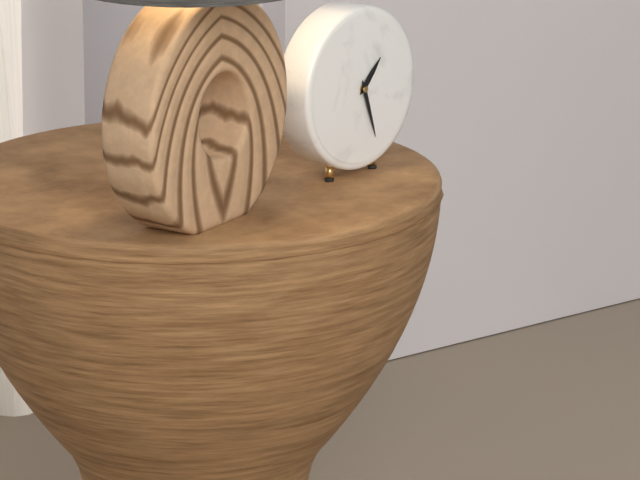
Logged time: 1:27
